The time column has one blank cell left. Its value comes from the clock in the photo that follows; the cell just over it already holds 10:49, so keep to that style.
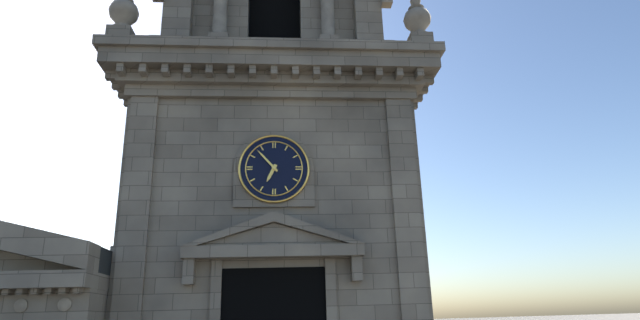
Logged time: 6:53
